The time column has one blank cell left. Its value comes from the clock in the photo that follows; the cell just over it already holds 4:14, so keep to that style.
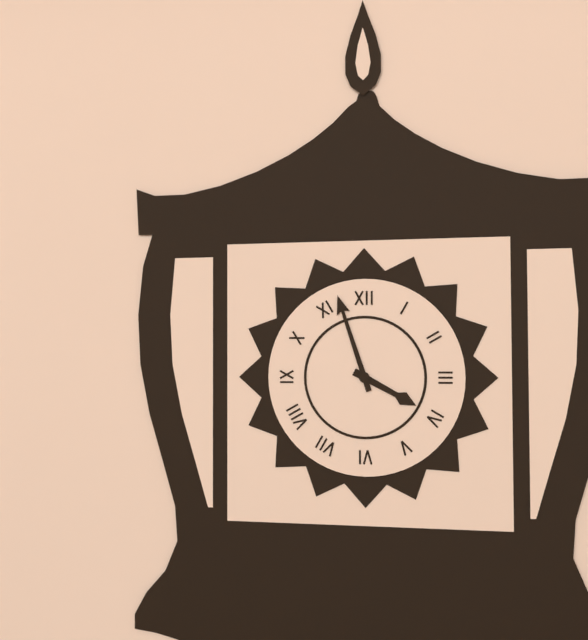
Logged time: 3:57
